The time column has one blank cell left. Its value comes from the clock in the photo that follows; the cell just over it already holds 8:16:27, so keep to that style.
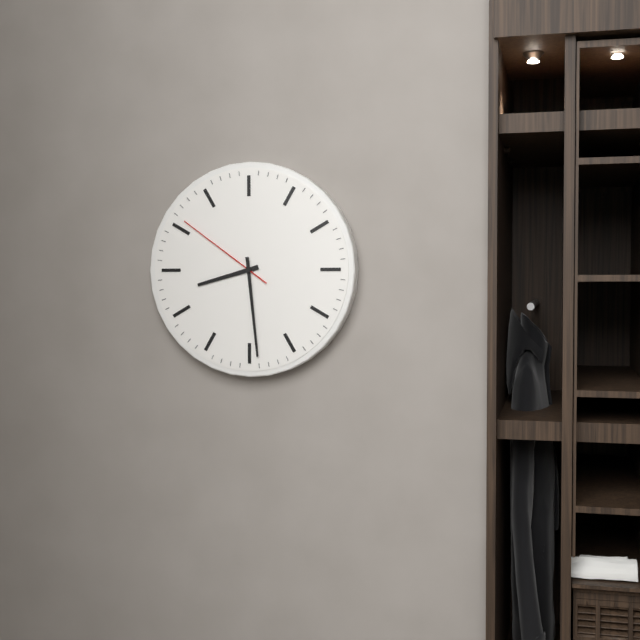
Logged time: 8:29:51
